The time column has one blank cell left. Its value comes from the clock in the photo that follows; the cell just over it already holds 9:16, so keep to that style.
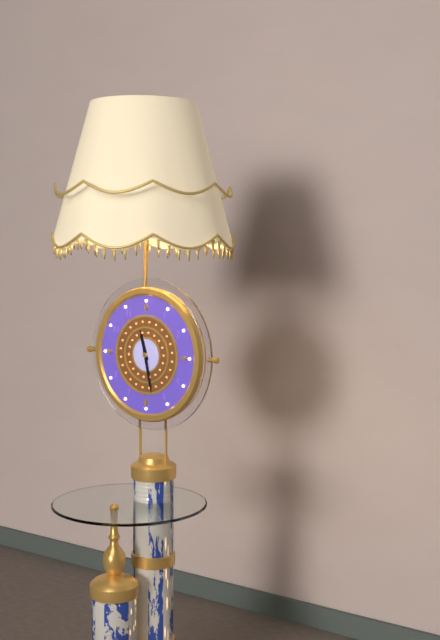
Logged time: 11:28
